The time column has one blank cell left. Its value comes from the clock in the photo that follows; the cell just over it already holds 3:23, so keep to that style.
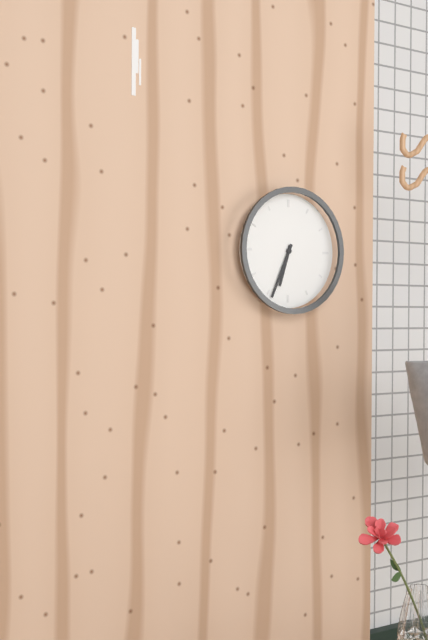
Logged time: 6:34
